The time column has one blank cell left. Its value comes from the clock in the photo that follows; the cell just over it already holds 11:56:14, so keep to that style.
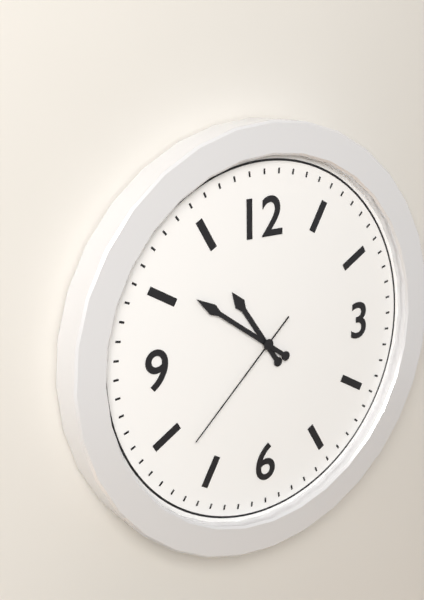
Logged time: 10:51:38
